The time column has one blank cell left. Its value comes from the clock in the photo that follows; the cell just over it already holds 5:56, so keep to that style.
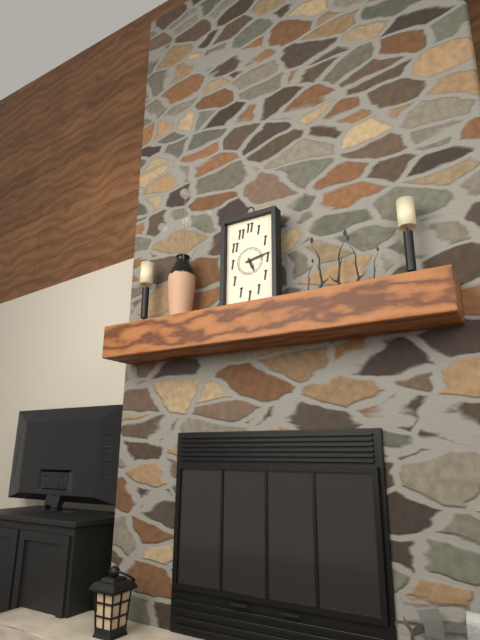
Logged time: 5:13
